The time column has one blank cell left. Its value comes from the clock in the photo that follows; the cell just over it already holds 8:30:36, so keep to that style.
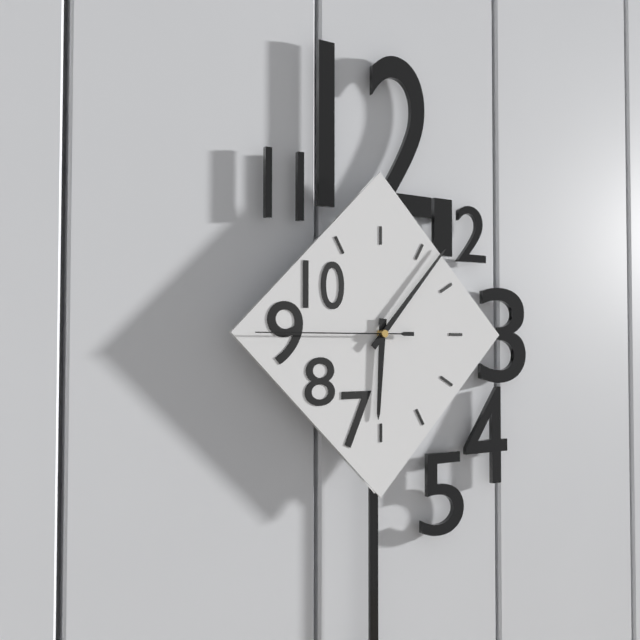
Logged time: 6:07:45
